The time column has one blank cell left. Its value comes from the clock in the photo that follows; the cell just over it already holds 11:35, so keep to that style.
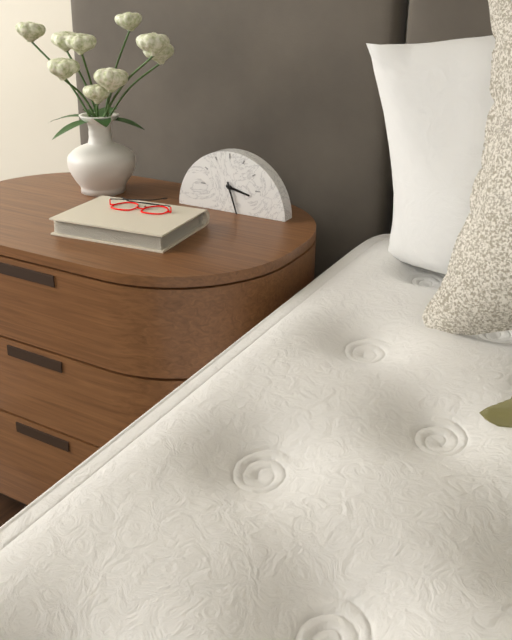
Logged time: 3:27
